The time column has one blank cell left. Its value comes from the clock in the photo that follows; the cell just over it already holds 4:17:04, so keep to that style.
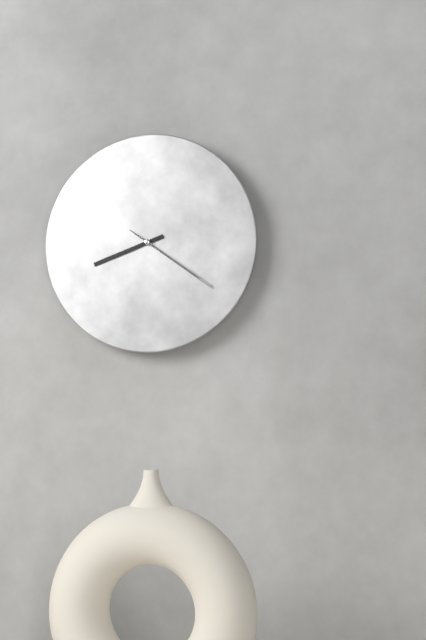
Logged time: 8:21:21
